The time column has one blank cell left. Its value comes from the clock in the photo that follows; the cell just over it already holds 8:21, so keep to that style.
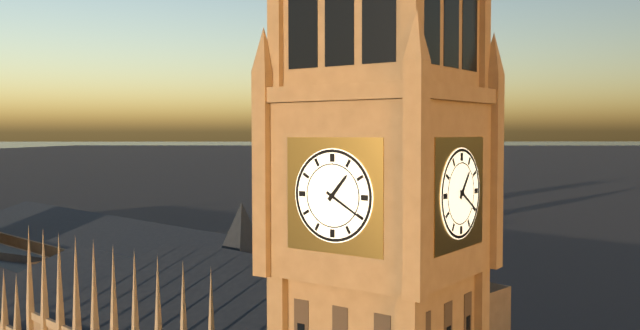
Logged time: 1:20
